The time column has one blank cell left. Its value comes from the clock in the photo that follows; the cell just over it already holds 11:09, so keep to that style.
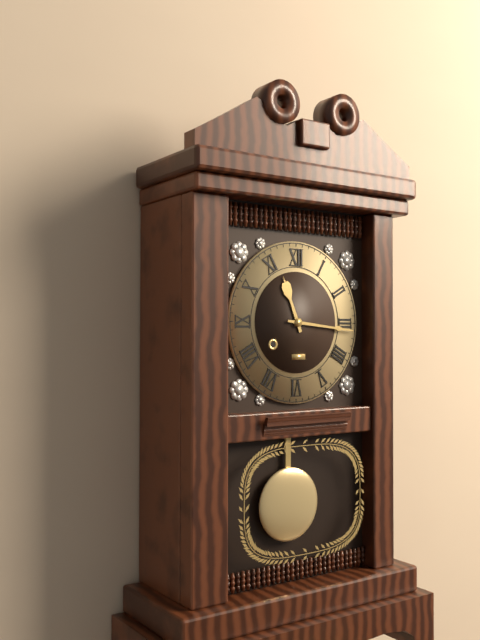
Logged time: 11:16
